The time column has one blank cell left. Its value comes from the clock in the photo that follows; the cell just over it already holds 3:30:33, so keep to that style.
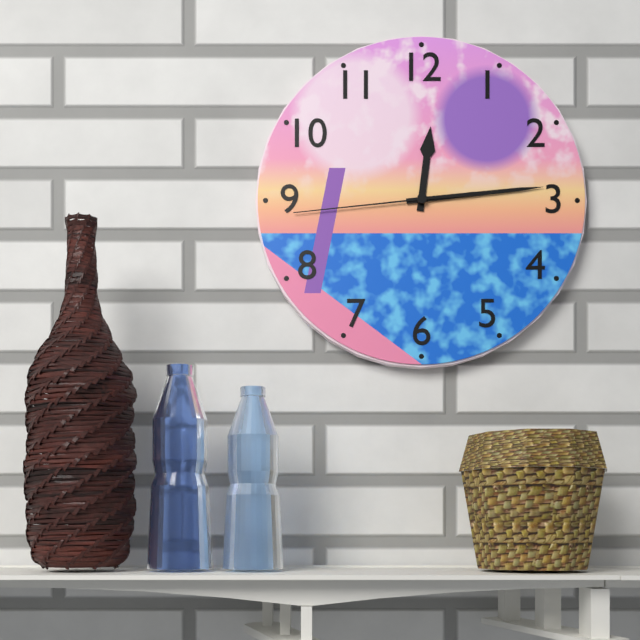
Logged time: 12:14:44
